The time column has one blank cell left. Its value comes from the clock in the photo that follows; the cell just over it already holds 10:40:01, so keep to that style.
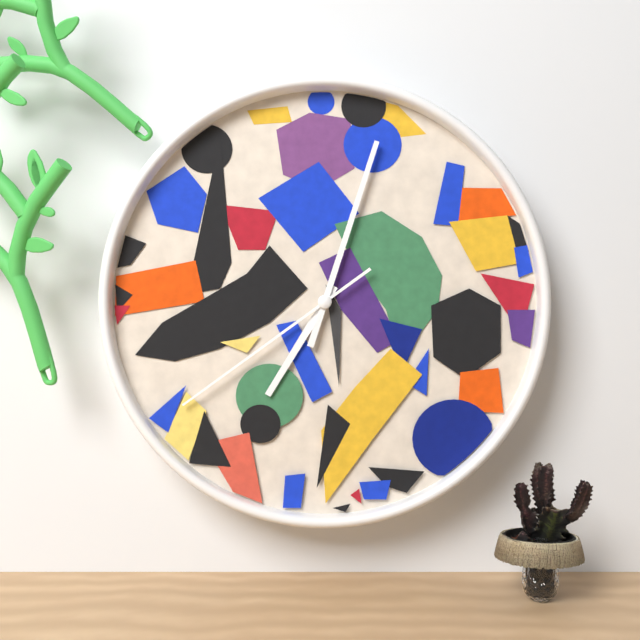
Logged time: 7:03:39
